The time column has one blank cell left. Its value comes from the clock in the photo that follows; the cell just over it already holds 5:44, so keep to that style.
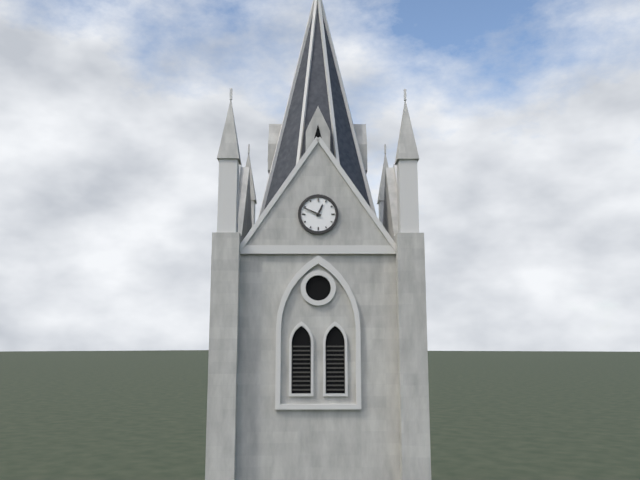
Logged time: 12:49
